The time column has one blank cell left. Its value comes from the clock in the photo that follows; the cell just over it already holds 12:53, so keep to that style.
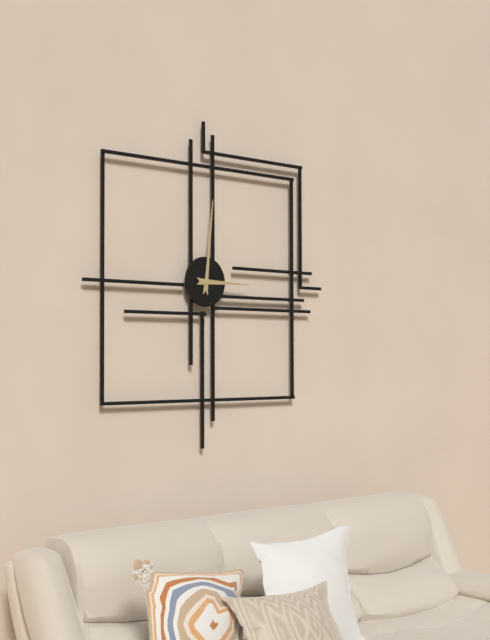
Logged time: 3:01
